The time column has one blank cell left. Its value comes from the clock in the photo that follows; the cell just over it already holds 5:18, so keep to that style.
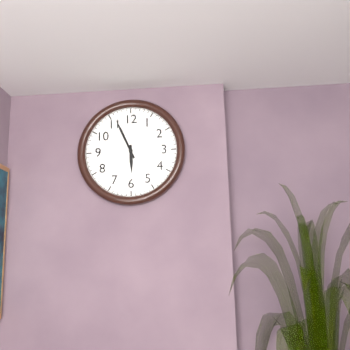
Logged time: 5:56
